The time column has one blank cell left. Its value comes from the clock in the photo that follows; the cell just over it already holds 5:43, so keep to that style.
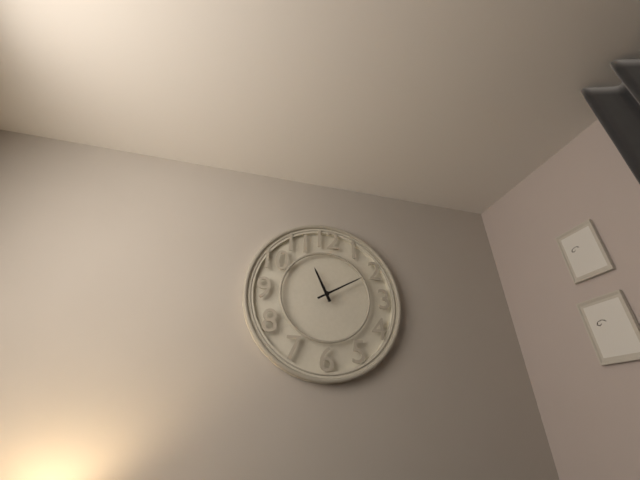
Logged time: 11:10
